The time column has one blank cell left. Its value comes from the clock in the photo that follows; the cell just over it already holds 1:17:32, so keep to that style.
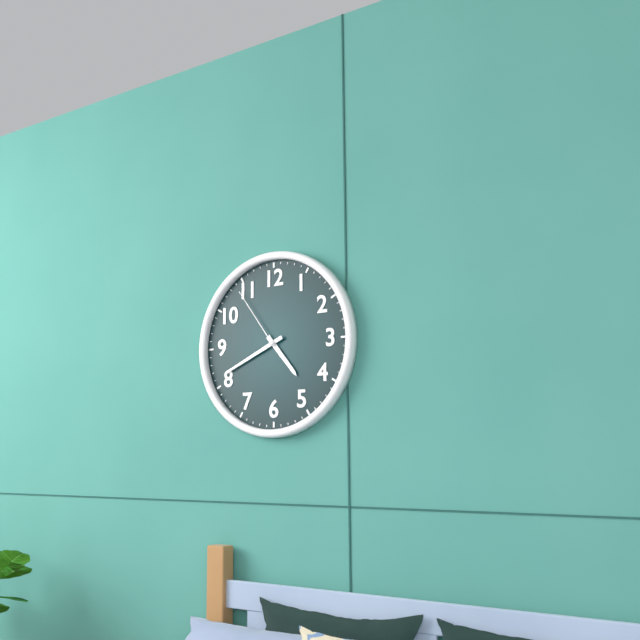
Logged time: 4:41:54
